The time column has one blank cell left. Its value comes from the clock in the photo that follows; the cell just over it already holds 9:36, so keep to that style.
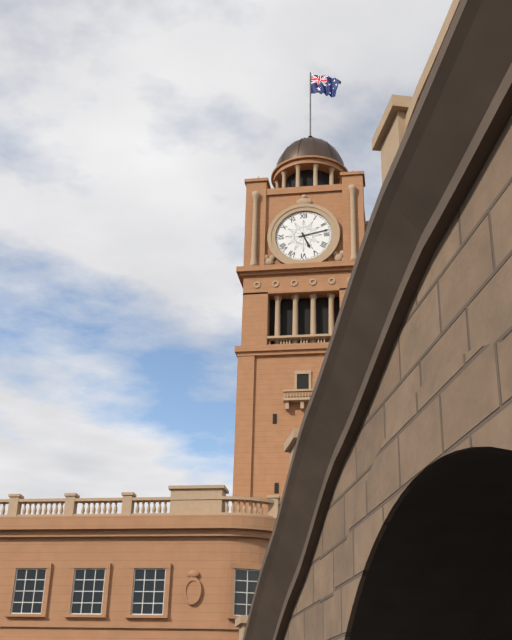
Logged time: 5:13
